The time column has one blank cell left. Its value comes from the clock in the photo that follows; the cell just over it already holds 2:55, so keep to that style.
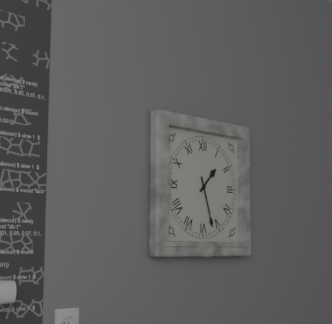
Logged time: 1:27
